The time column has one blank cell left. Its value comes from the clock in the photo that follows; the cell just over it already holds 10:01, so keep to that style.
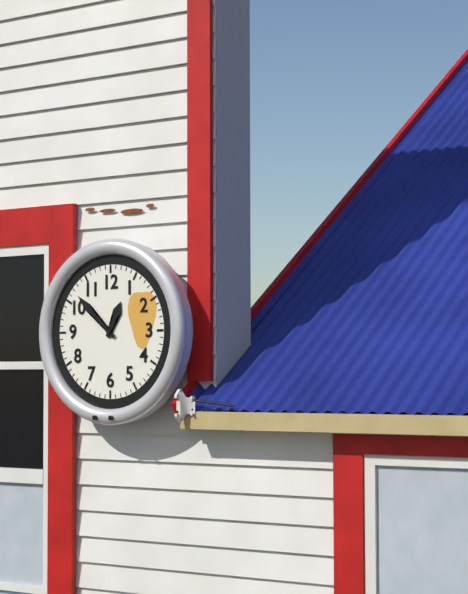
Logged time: 12:52
